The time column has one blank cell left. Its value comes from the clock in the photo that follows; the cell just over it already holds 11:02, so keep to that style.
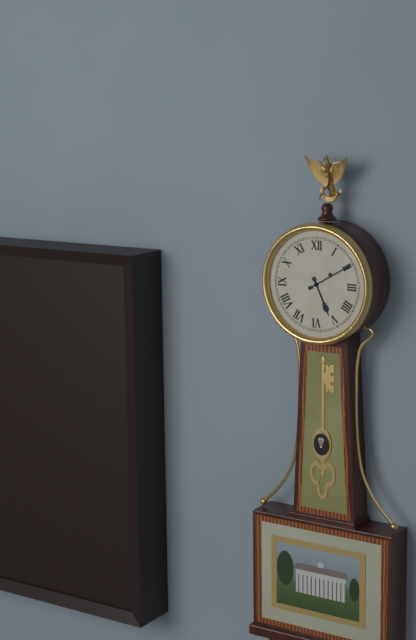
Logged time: 5:10
